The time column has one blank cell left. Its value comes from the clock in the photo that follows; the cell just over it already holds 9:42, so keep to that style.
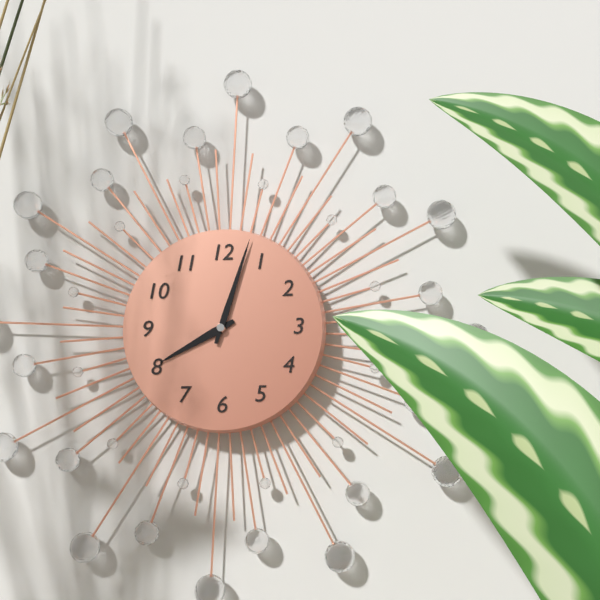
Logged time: 8:03
